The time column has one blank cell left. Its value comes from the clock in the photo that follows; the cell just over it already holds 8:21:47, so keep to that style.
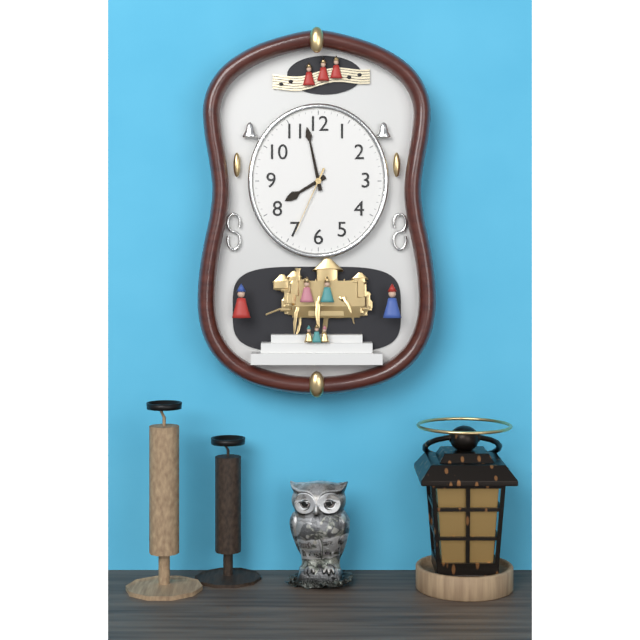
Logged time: 7:58:34
